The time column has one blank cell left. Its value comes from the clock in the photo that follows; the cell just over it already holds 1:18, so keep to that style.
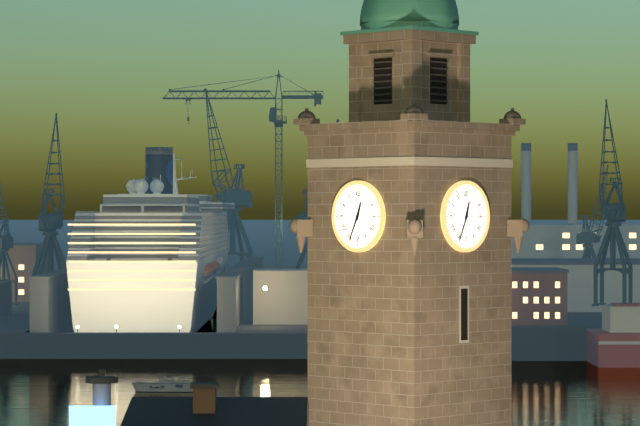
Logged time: 12:34
